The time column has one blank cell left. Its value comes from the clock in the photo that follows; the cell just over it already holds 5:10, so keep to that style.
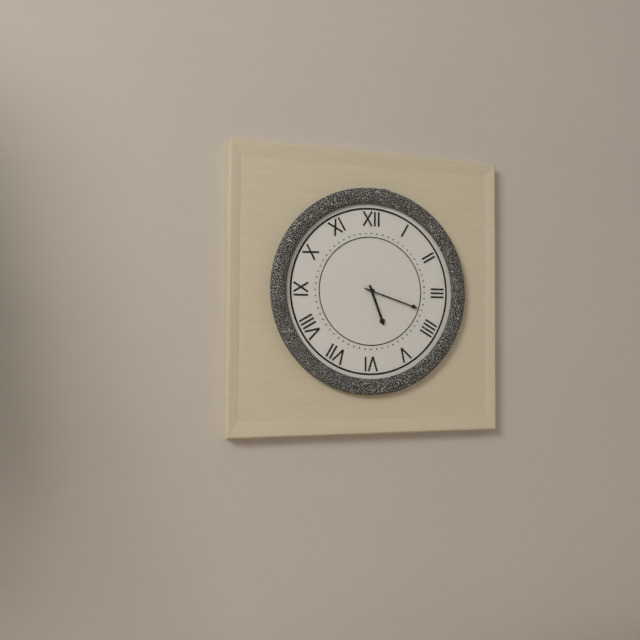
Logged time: 5:18
